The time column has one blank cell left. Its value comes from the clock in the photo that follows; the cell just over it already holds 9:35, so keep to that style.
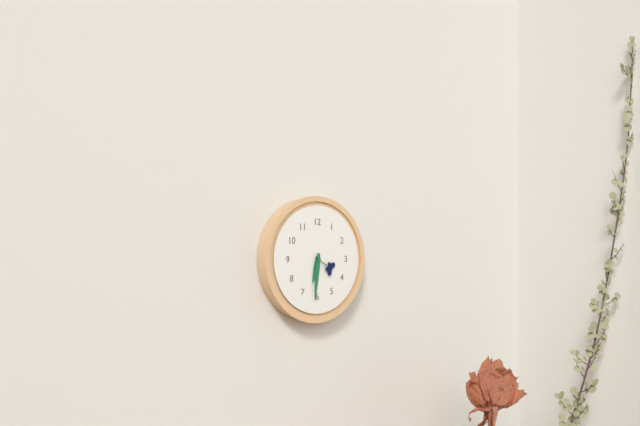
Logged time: 6:31
